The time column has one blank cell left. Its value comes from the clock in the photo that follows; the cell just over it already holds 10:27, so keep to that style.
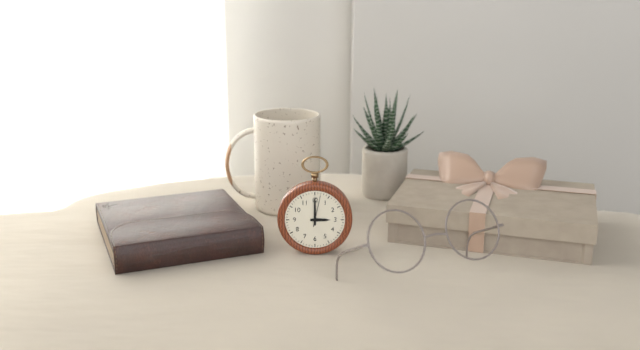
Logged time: 3:00
